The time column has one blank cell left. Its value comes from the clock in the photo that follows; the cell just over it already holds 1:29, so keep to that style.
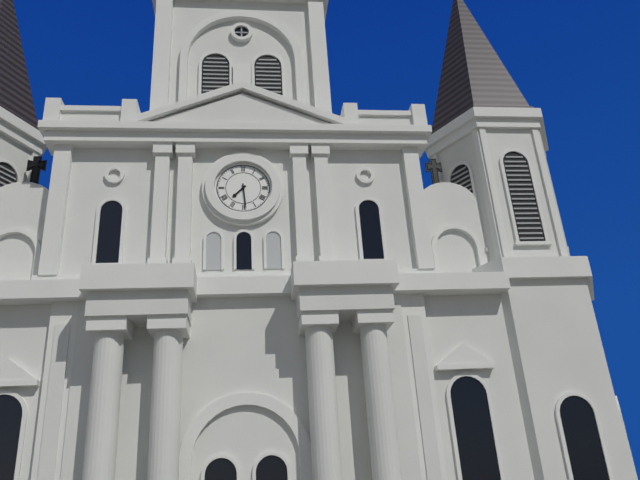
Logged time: 7:29
